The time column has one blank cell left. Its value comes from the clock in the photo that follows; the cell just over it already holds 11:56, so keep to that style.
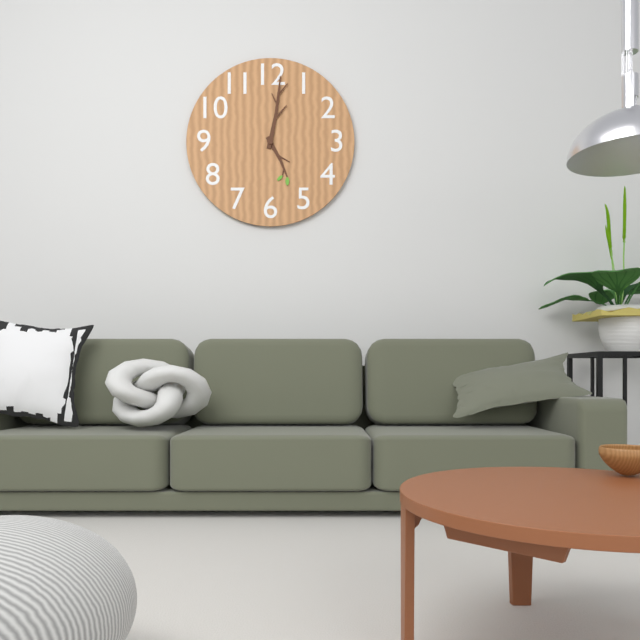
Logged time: 5:02
